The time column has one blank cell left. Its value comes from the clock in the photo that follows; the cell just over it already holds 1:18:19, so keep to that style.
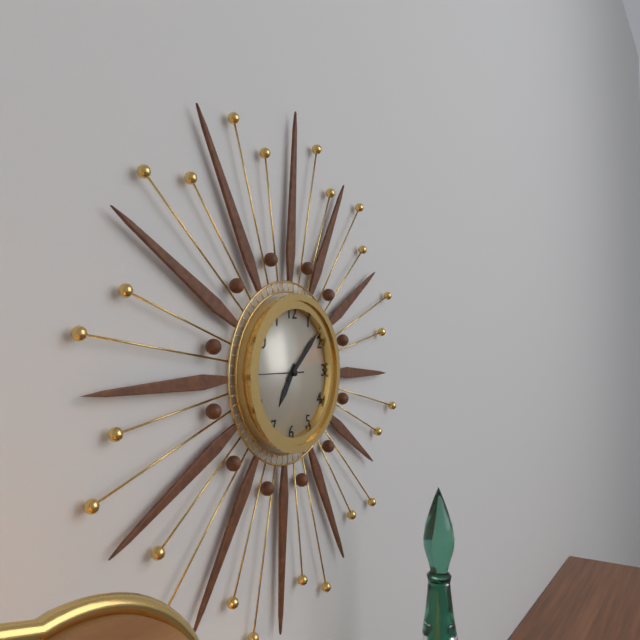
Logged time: 7:08:45
